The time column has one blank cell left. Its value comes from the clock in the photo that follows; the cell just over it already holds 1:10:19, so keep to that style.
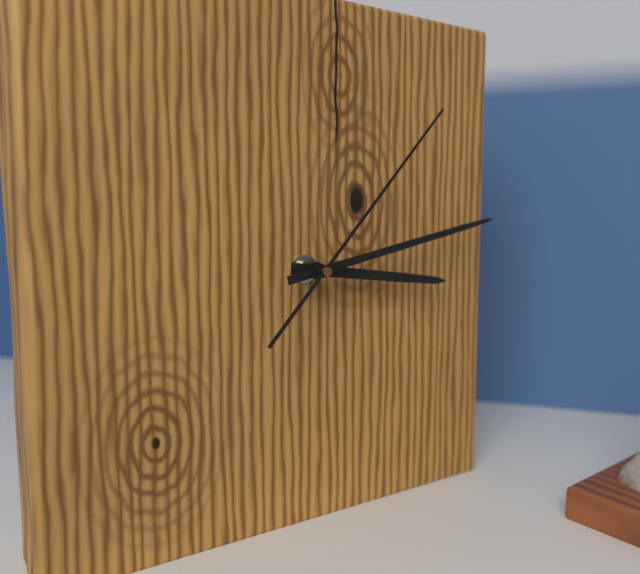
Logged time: 3:13:07
